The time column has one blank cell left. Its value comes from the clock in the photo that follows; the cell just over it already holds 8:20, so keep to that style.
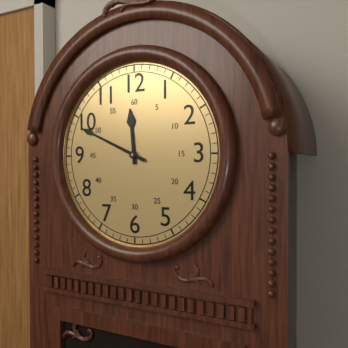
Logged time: 11:49
